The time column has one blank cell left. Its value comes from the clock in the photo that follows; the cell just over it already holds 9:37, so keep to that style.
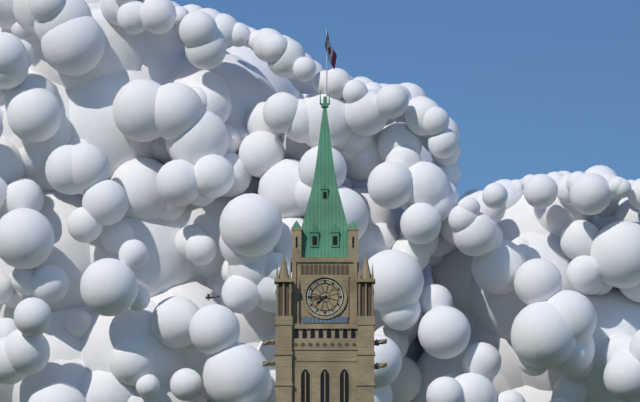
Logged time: 7:45
